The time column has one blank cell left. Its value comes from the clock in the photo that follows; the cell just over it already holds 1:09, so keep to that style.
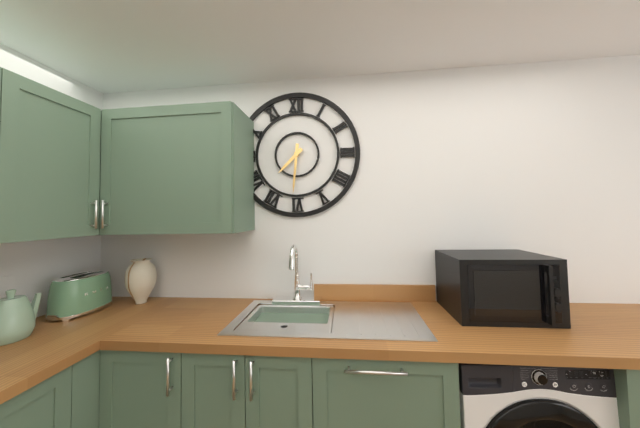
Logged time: 7:31
